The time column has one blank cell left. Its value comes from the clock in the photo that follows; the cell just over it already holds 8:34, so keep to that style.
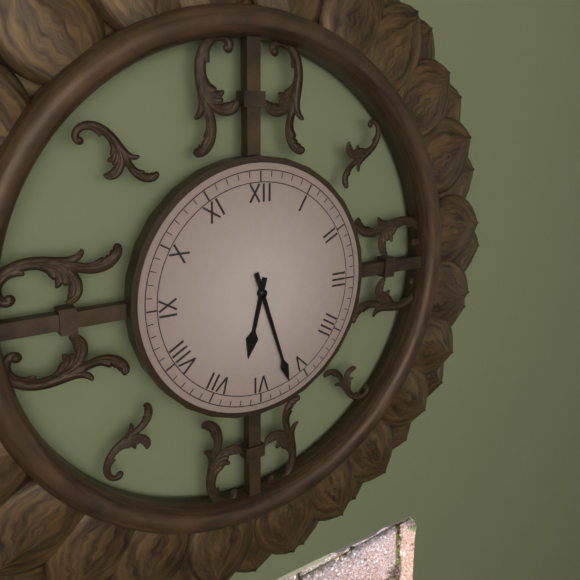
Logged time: 6:27
